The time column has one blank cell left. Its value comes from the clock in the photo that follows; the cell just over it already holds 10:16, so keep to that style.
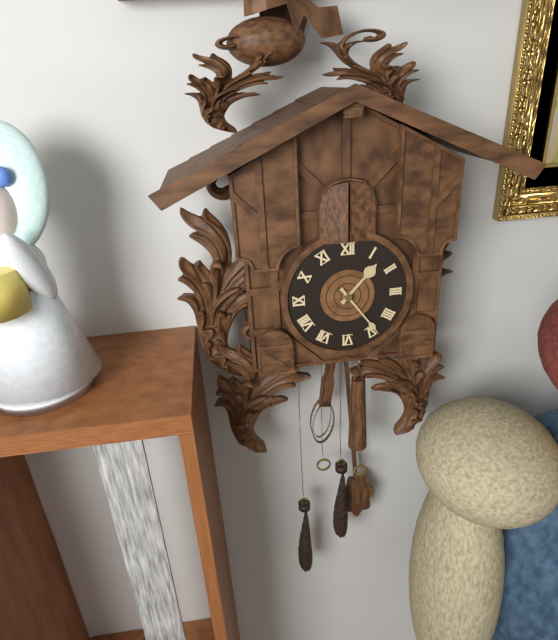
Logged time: 1:24
